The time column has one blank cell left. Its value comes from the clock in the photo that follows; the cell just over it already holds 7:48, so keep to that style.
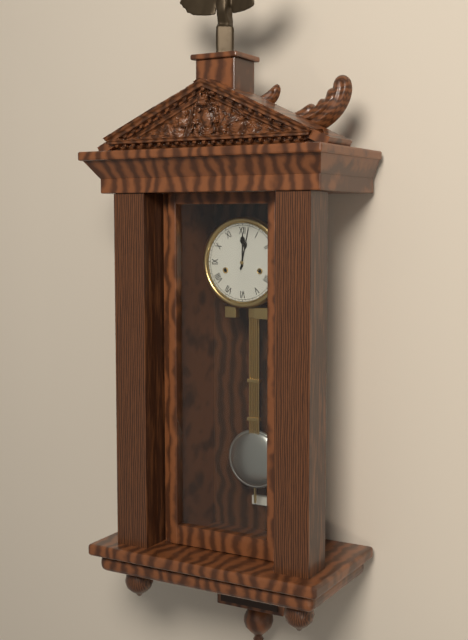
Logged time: 12:02
